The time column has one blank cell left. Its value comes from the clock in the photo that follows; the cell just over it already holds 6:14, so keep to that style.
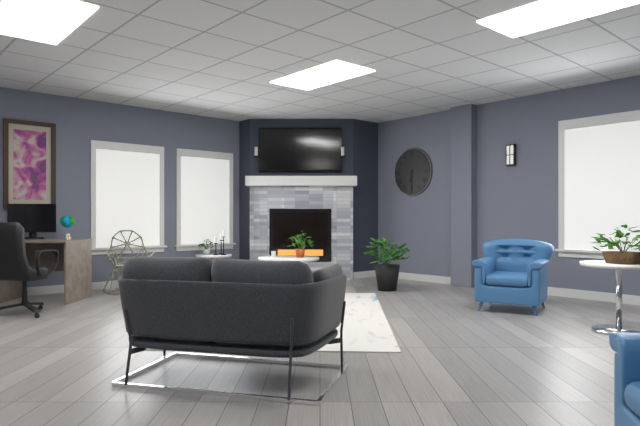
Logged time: 6:30
